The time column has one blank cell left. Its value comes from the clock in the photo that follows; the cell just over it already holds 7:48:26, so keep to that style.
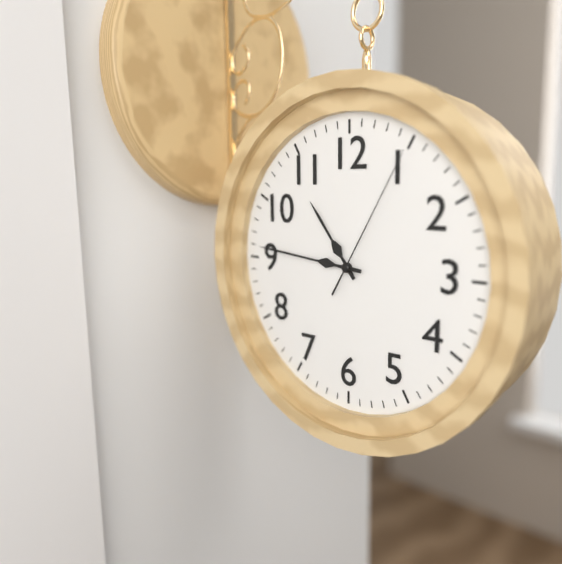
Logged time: 10:46:05
